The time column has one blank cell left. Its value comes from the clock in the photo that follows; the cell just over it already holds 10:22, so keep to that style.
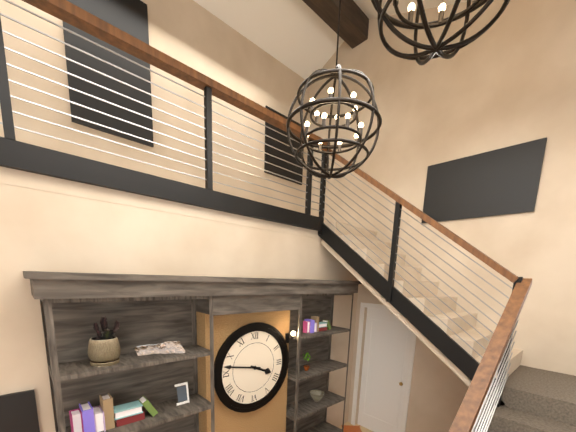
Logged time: 3:47
